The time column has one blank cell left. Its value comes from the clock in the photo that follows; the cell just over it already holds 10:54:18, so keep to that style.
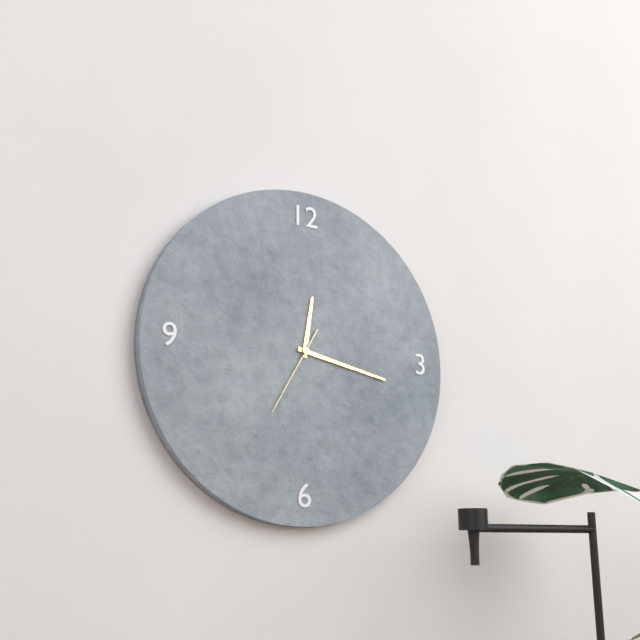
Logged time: 12:17:35
